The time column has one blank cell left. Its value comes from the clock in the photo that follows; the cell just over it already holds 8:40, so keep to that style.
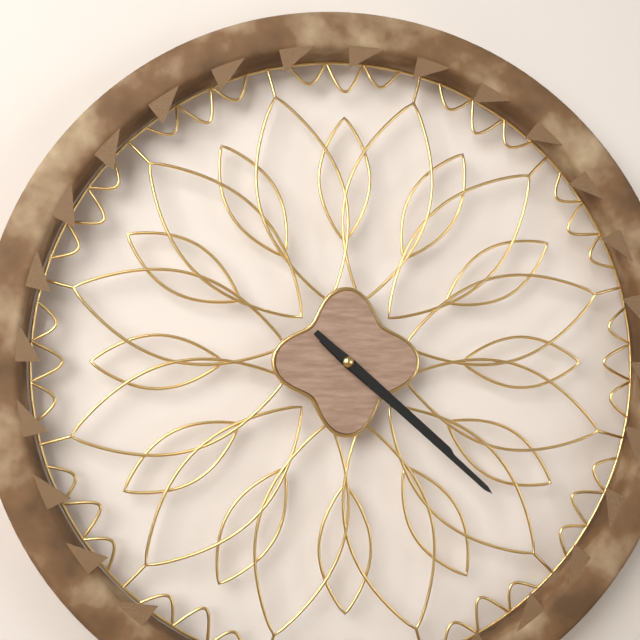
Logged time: 4:22
